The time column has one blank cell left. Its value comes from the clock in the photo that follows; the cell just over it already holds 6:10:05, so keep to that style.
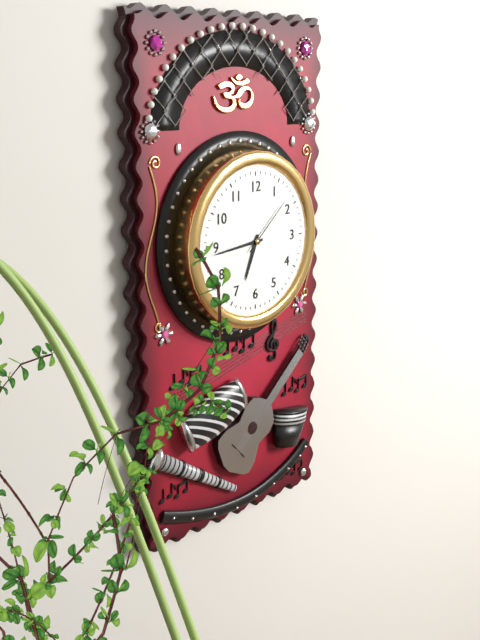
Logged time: 6:44:08
